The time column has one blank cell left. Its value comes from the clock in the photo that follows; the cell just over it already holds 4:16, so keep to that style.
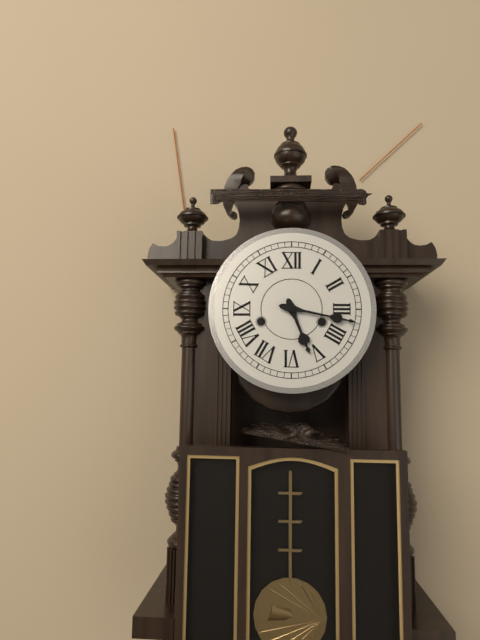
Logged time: 5:17
